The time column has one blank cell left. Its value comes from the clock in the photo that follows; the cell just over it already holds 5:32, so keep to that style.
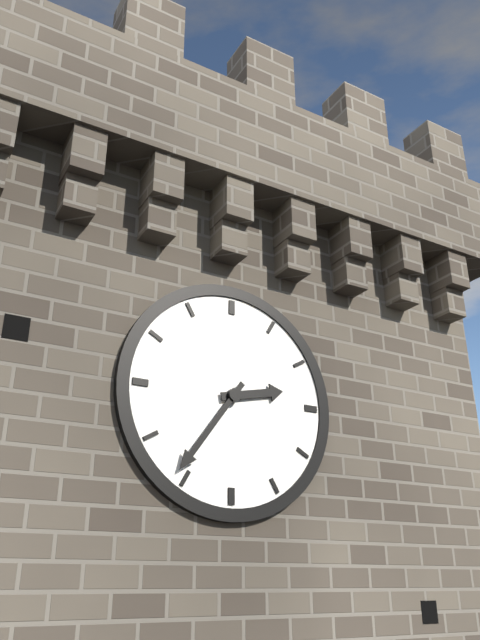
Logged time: 2:36
